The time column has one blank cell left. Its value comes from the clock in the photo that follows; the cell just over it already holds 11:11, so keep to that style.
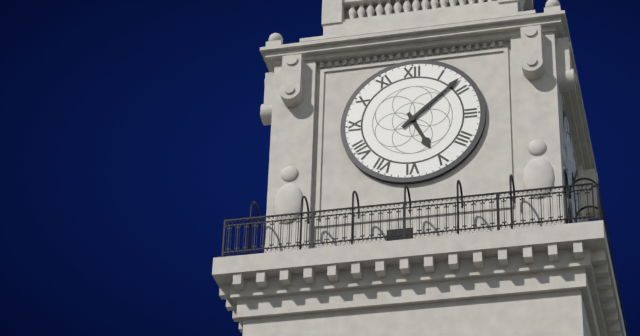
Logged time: 5:08
